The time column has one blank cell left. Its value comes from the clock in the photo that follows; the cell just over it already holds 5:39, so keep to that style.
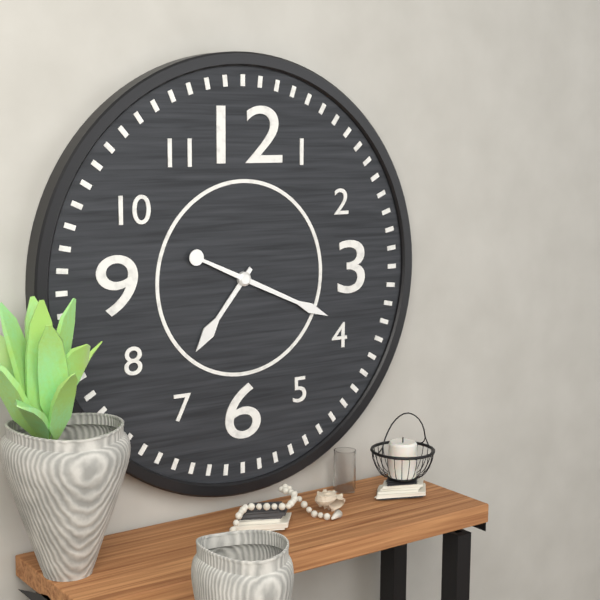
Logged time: 7:19
